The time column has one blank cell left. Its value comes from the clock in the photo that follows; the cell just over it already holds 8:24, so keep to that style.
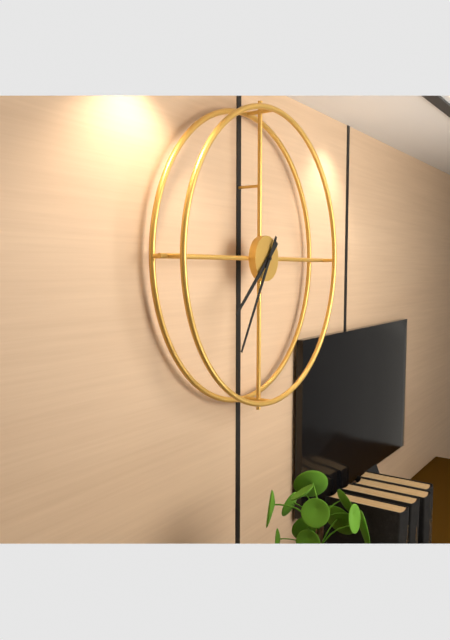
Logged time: 7:35
